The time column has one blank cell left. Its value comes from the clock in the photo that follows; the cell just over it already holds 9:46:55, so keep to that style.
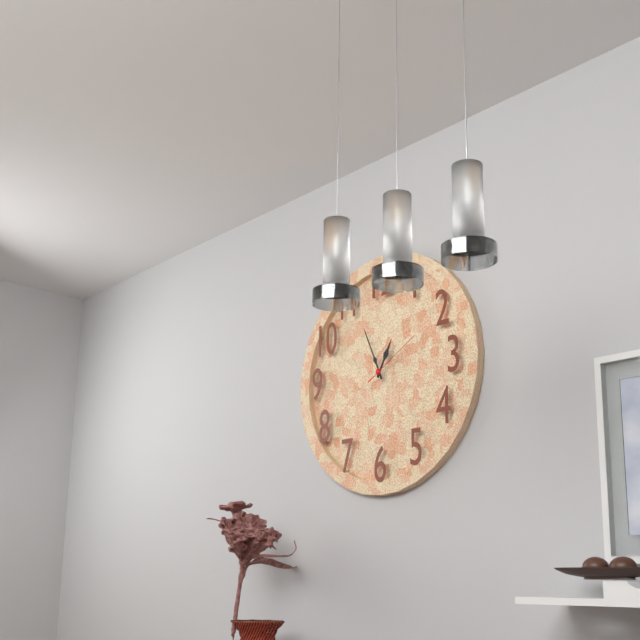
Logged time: 12:56:10
